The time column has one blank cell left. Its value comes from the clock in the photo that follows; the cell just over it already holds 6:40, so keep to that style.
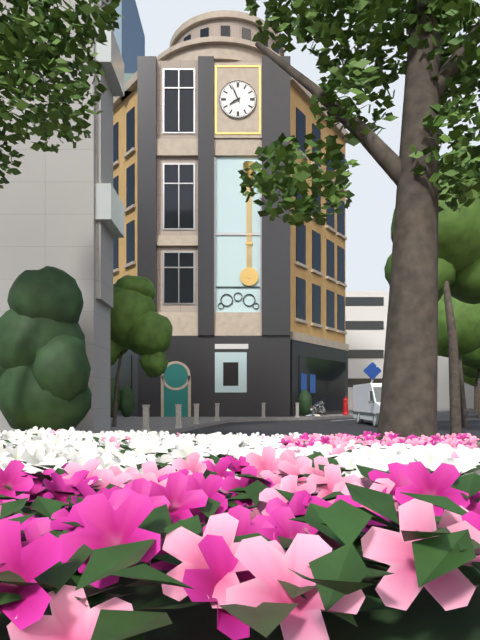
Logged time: 7:56
